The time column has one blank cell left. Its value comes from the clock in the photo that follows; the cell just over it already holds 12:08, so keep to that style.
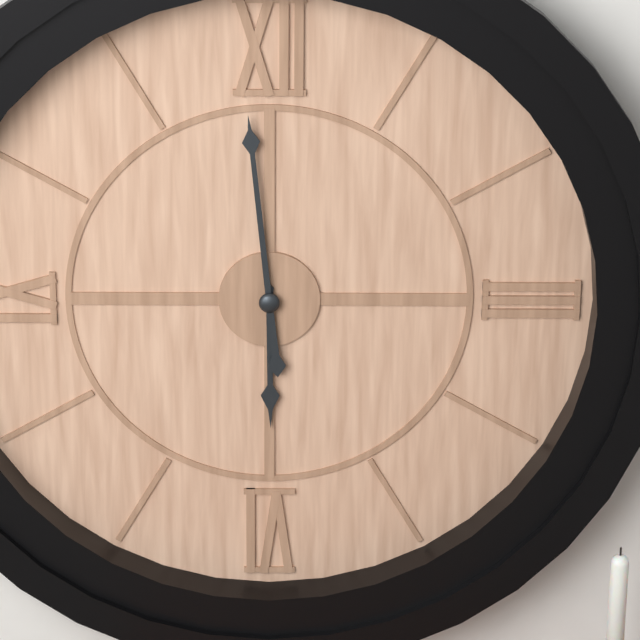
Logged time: 5:59
